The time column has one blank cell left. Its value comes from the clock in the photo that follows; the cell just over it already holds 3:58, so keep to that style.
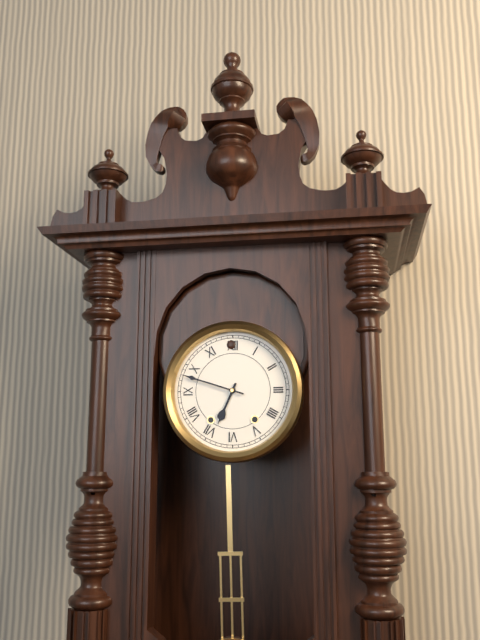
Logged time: 6:48
